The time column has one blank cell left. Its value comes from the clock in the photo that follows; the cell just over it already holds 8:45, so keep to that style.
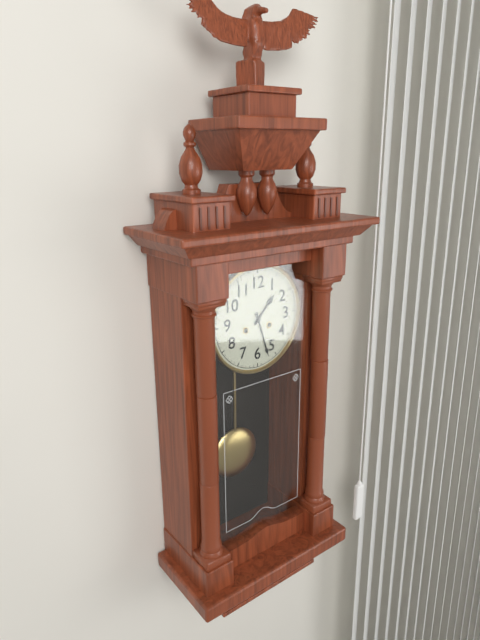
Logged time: 1:27
